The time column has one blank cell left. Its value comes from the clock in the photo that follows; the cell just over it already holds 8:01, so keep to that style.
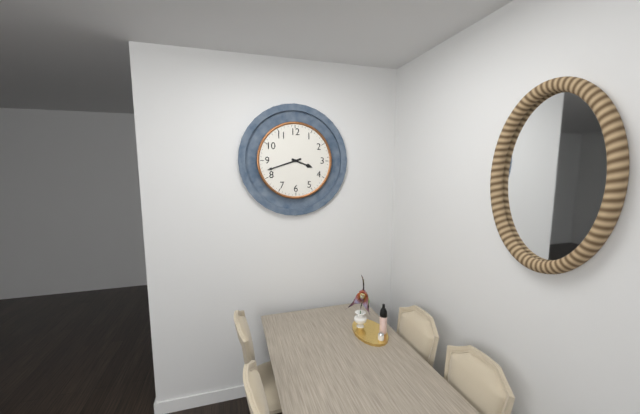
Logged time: 3:42
